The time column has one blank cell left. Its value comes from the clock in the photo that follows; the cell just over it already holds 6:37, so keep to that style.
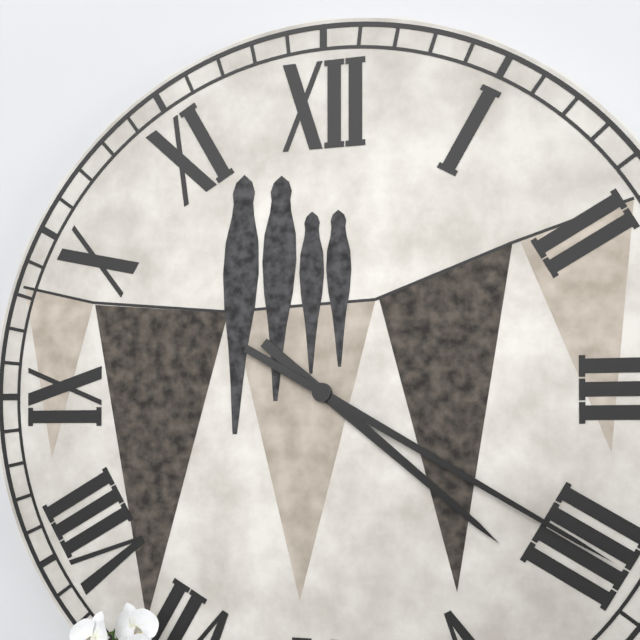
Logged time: 4:20
